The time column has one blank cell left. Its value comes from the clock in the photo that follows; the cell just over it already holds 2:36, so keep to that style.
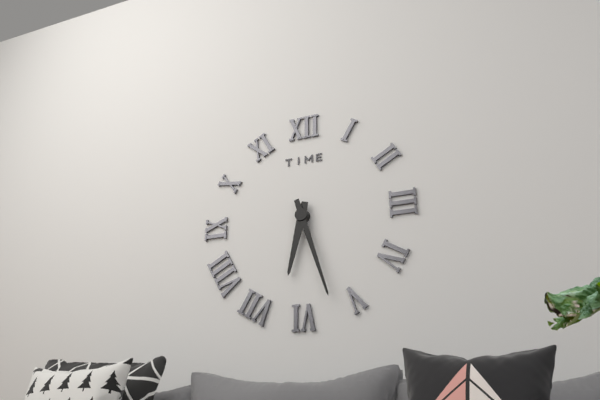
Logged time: 6:27
